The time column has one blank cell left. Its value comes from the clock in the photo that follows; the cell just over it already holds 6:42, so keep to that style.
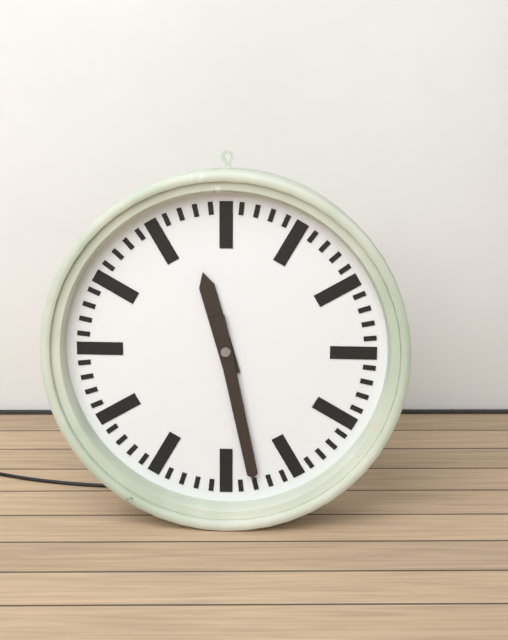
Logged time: 11:28
